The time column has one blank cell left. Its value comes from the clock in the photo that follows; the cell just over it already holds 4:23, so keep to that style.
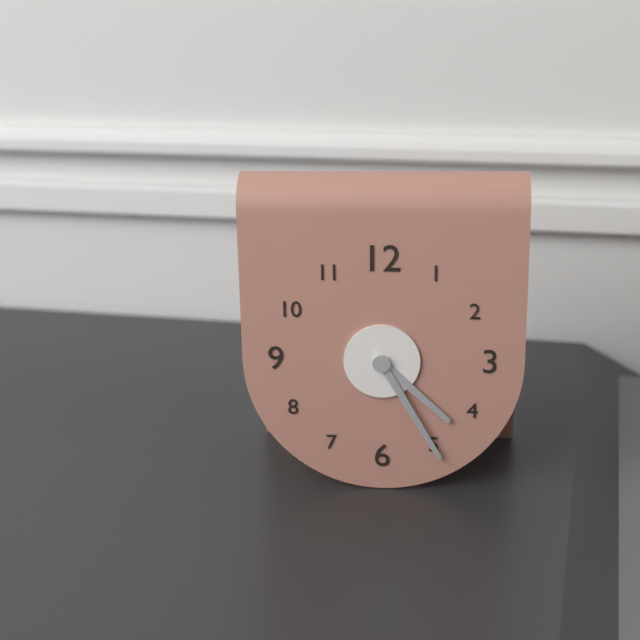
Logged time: 4:25
